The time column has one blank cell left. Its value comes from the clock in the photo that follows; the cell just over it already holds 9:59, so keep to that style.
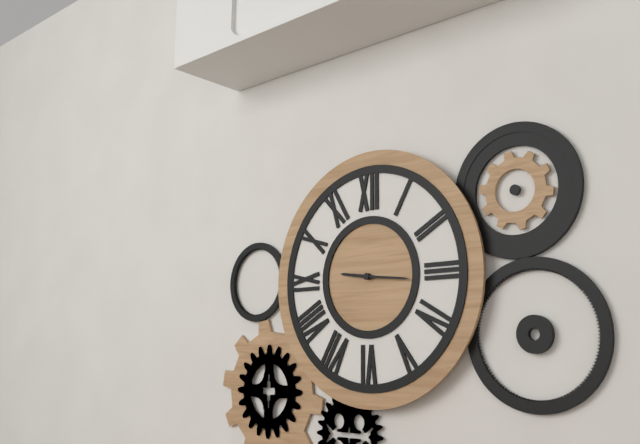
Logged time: 9:16
